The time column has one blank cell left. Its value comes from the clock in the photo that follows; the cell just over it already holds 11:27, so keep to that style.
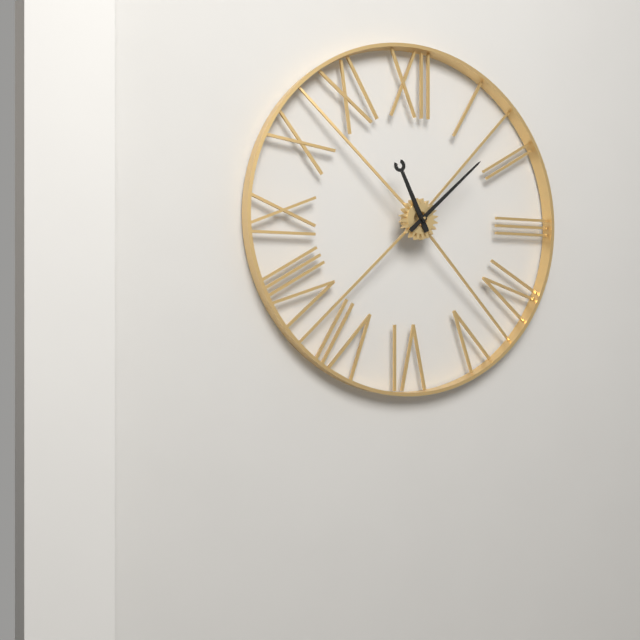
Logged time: 11:08
